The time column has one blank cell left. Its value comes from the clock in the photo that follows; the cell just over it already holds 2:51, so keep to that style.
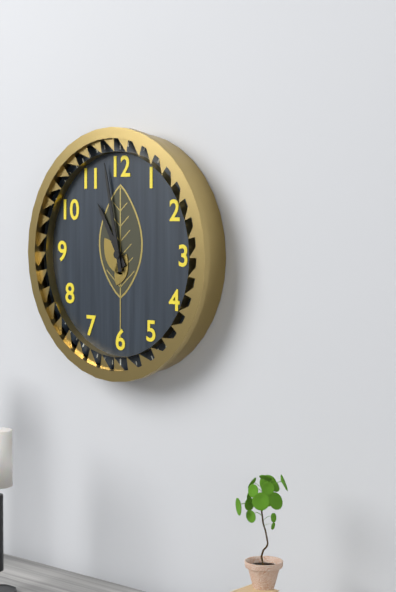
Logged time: 10:58
